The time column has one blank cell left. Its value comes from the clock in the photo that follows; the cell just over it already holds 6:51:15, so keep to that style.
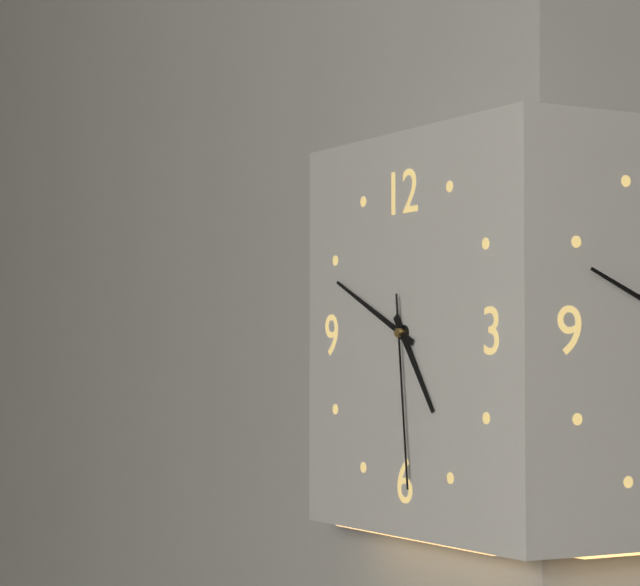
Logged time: 4:49:29
